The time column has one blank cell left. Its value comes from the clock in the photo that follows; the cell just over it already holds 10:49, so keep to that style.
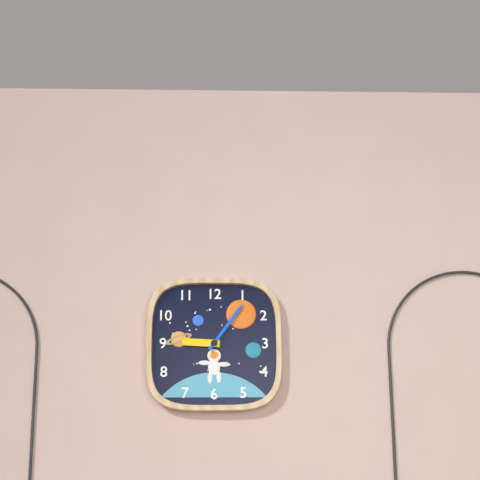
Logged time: 9:06
